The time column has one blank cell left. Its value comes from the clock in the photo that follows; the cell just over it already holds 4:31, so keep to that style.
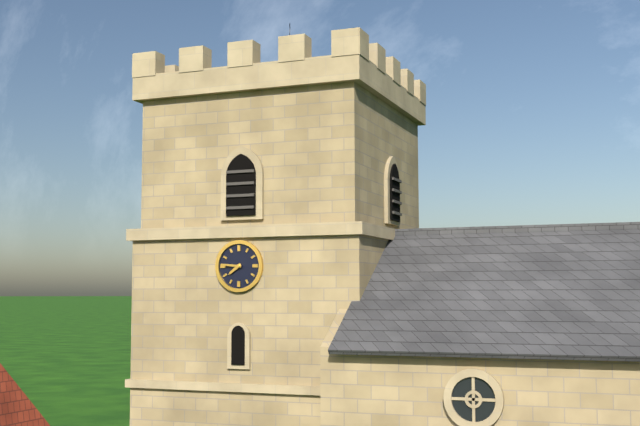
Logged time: 7:46
